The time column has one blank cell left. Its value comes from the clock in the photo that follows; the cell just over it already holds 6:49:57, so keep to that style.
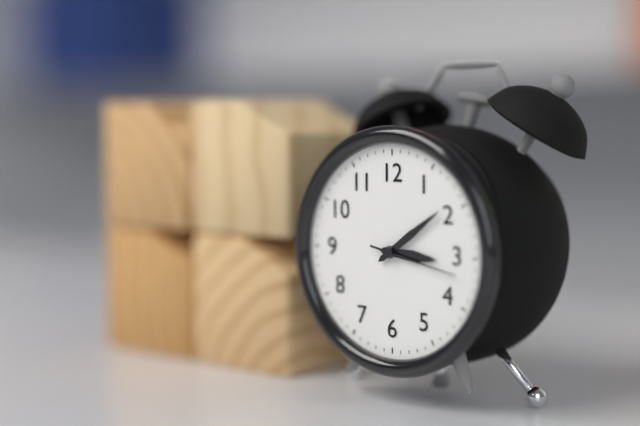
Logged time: 3:09:17
